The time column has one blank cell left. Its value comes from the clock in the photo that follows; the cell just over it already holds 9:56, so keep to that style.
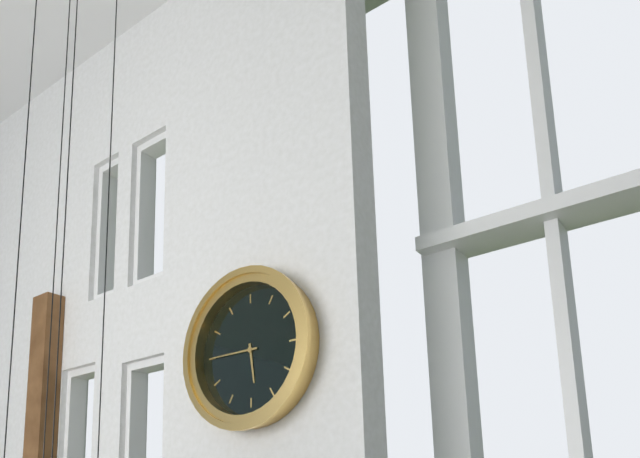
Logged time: 5:45
